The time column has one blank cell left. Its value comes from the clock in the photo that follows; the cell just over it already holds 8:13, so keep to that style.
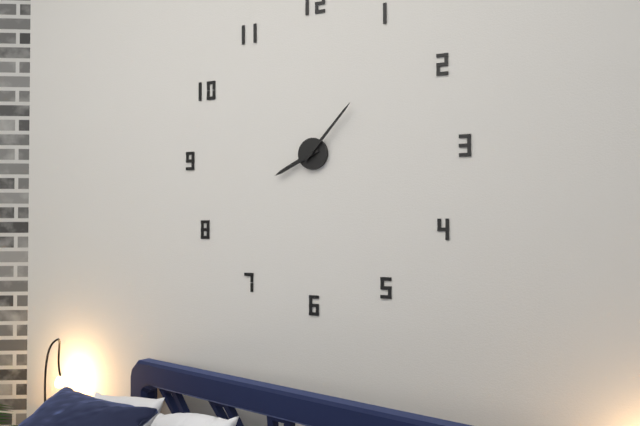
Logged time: 8:07
